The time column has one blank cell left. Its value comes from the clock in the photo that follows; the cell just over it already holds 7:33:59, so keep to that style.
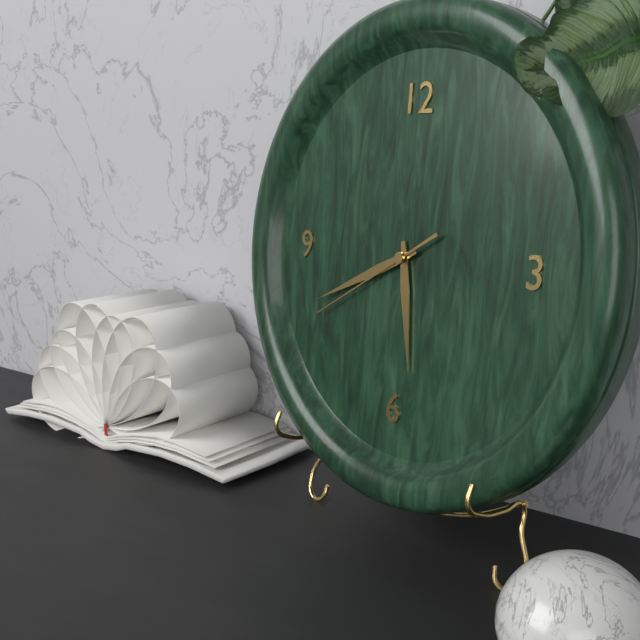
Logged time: 5:41:40
